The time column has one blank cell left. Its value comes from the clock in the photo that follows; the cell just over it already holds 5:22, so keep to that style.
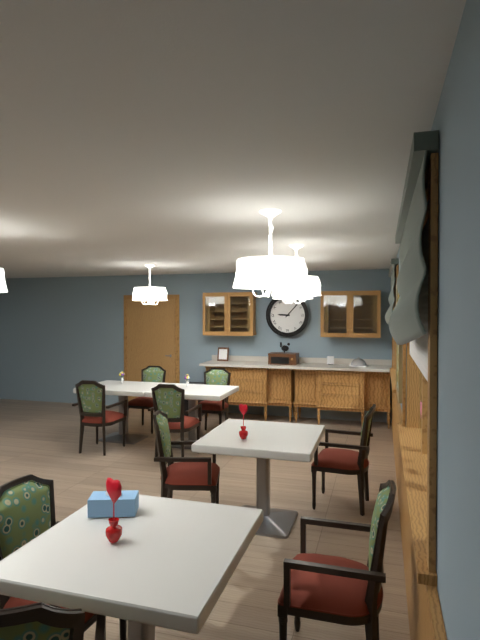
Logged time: 9:07
